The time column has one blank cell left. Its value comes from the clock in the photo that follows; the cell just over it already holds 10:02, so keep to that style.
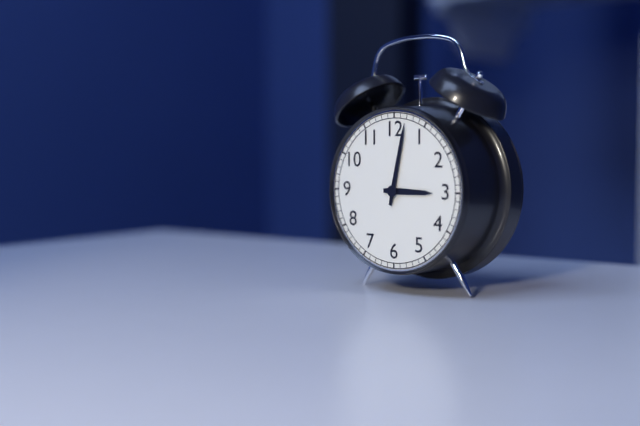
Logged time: 3:02
